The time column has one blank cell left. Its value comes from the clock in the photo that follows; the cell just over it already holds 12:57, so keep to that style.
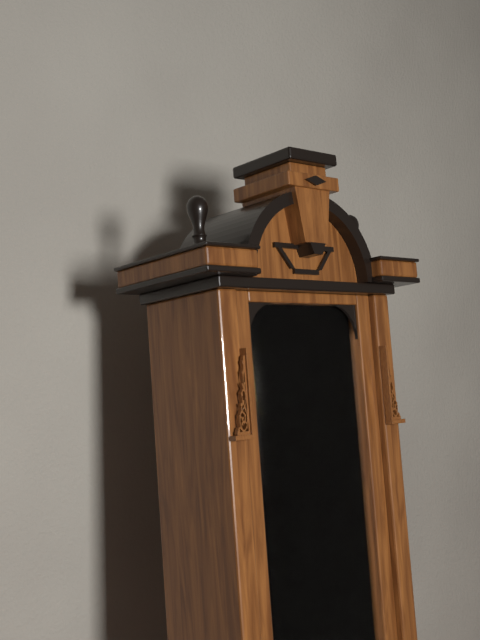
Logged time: 7:54
